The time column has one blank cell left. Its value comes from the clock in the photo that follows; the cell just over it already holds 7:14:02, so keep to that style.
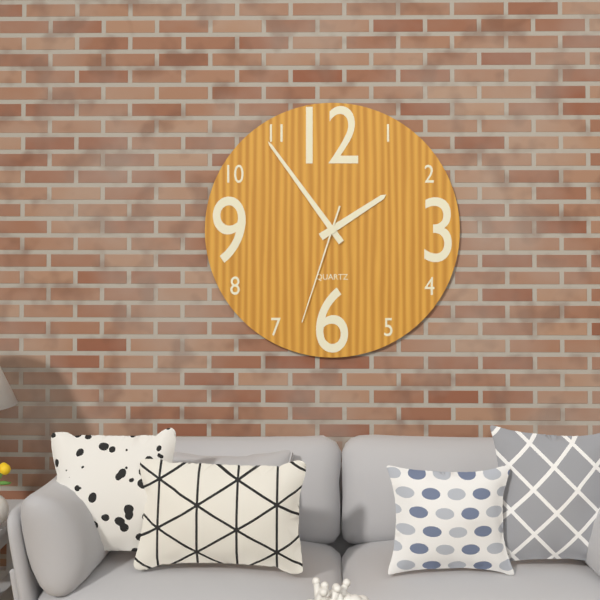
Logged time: 1:54:33
